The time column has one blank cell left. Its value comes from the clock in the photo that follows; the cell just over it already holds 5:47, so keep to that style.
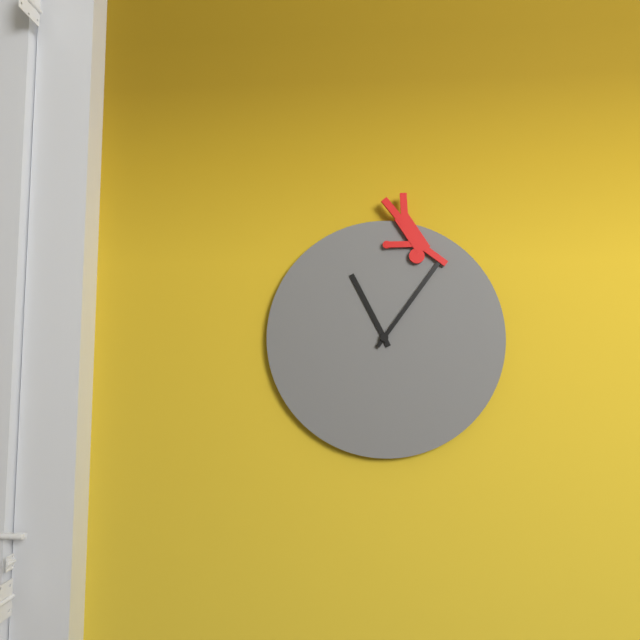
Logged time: 11:06
